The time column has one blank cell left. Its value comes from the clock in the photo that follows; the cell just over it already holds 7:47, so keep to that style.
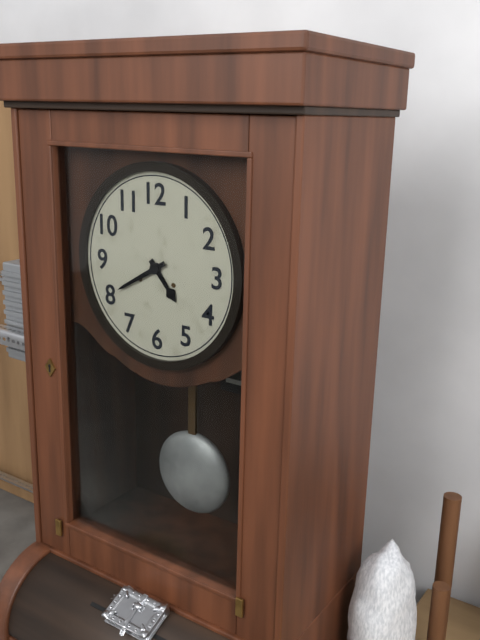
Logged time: 4:40
